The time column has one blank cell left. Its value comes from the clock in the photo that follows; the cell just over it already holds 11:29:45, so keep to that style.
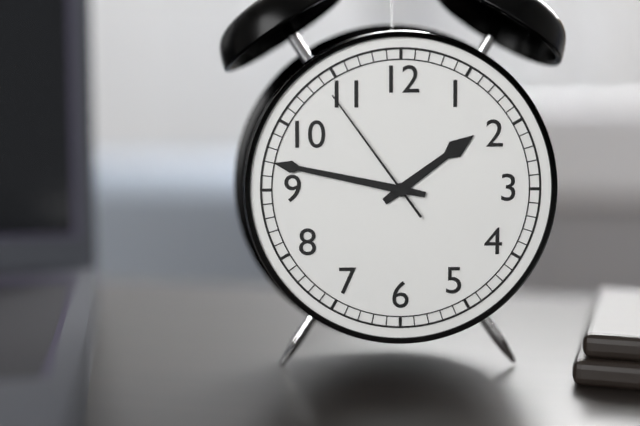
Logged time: 1:47:54
